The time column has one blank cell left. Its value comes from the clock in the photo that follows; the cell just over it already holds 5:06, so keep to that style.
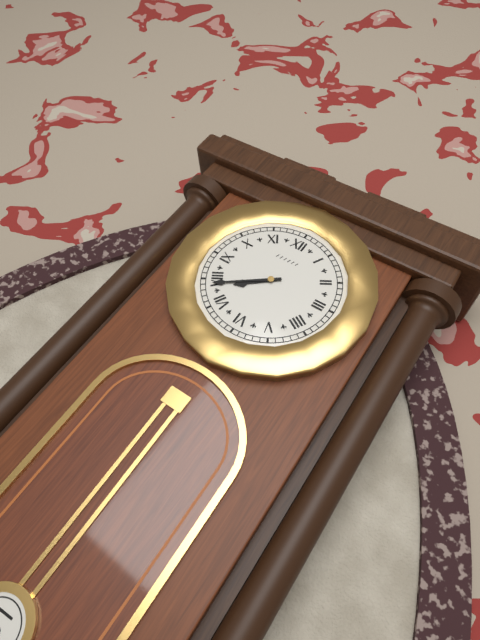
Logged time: 7:39
